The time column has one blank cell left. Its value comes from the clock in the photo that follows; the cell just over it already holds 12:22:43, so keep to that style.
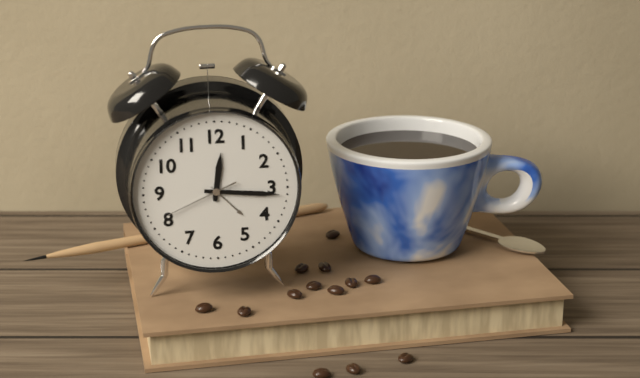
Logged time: 12:16:41
